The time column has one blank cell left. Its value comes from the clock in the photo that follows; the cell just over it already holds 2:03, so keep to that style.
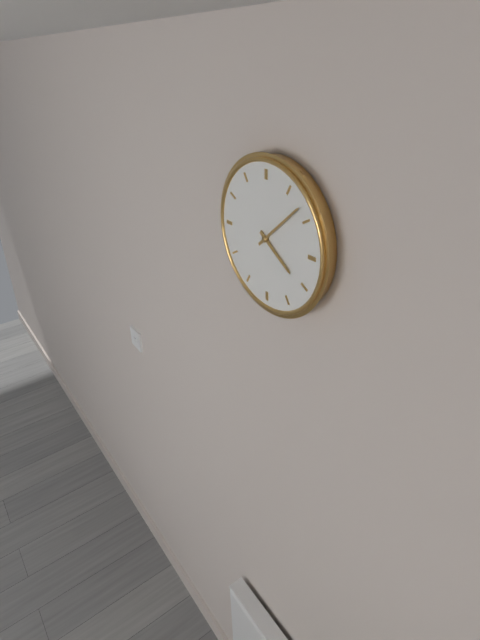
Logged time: 4:08
